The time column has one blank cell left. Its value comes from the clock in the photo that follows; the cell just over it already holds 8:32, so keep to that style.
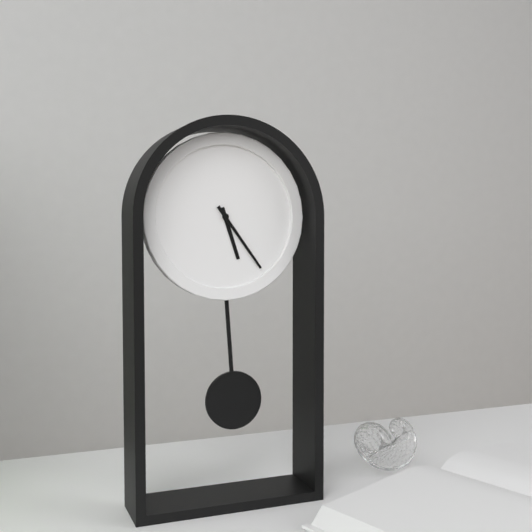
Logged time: 5:24
